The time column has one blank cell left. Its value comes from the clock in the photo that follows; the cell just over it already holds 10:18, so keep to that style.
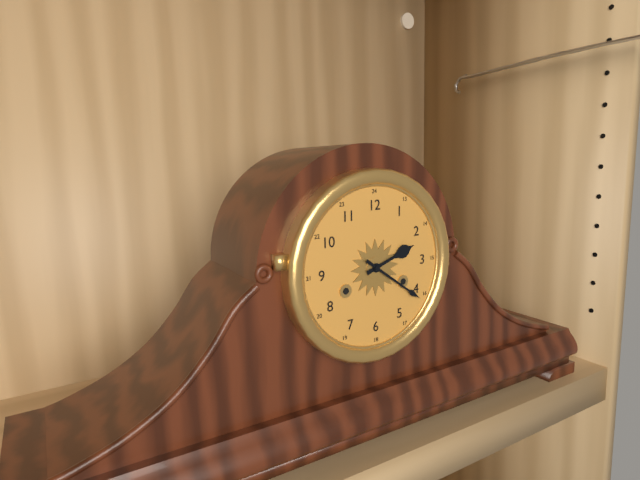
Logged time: 2:21
